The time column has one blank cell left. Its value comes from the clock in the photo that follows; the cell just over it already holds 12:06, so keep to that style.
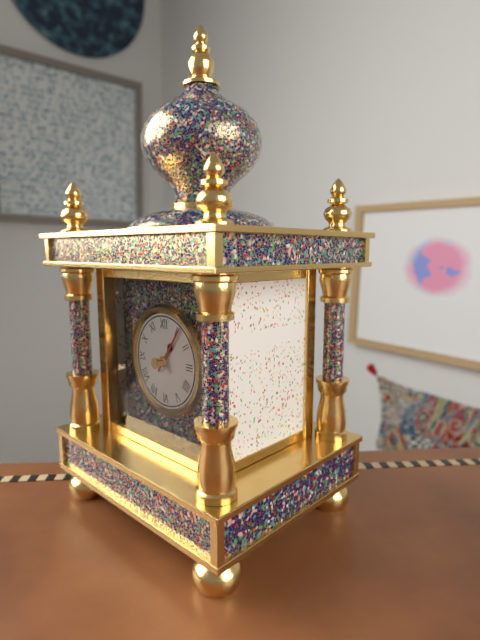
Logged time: 1:06
